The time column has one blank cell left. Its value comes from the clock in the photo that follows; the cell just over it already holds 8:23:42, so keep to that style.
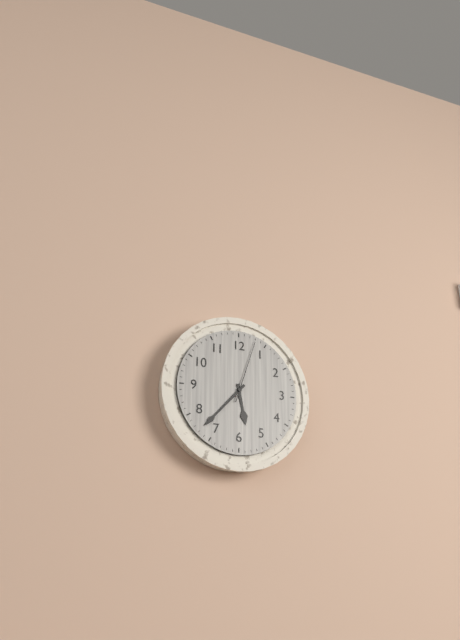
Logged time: 5:37:03
